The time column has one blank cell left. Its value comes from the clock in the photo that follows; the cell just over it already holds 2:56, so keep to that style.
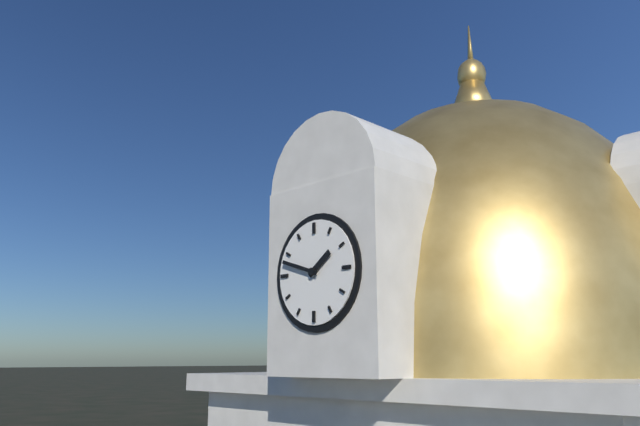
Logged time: 1:48
